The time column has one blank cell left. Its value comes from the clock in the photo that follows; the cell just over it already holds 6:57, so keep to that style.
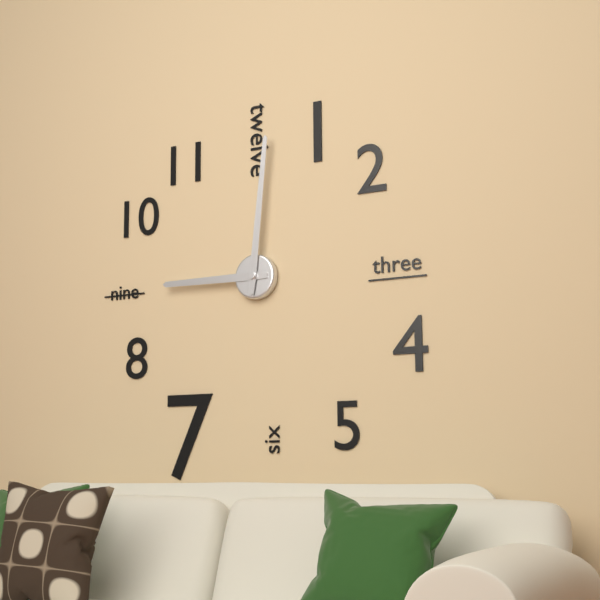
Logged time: 9:01
